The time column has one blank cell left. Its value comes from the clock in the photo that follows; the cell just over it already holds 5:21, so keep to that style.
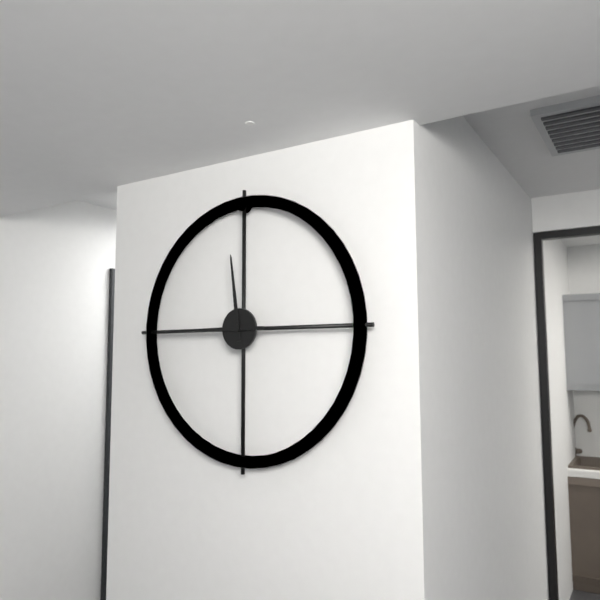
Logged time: 11:45
